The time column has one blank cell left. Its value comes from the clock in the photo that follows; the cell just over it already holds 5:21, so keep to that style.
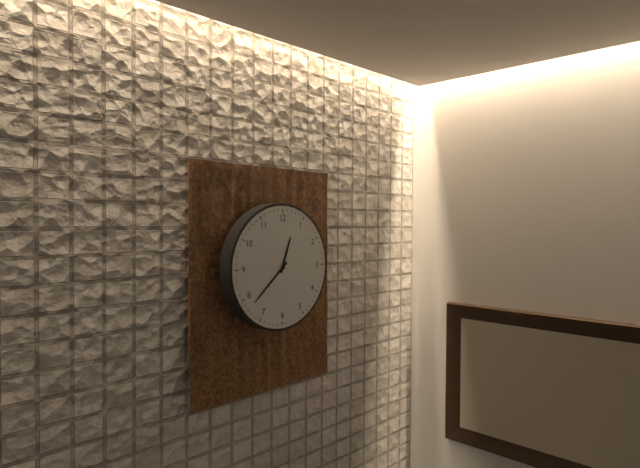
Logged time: 12:38
